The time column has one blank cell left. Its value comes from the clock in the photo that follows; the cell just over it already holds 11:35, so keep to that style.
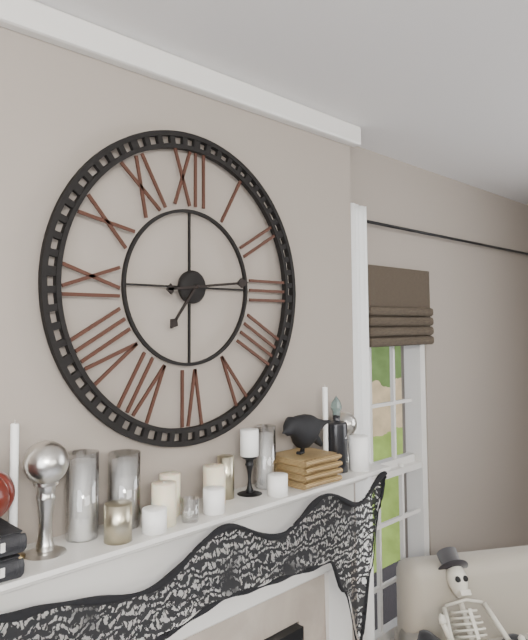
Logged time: 7:14
